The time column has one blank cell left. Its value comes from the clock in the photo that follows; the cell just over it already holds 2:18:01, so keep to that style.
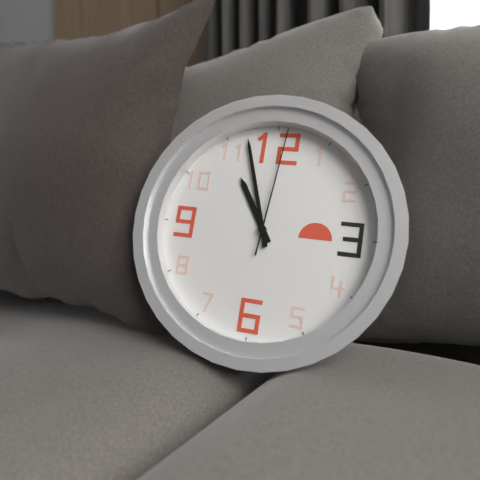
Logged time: 10:57:01
